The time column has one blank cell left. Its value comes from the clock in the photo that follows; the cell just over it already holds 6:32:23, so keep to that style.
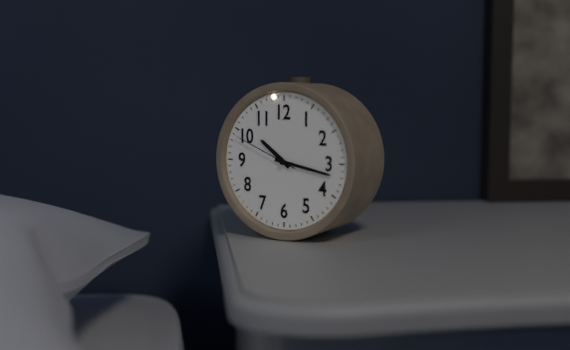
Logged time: 10:17:49
